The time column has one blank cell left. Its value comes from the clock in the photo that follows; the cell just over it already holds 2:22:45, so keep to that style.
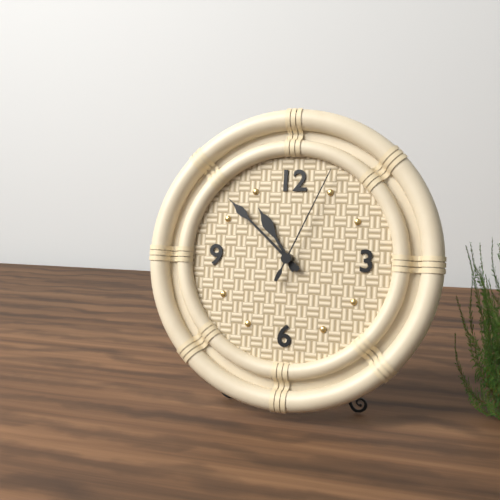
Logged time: 10:52:04
